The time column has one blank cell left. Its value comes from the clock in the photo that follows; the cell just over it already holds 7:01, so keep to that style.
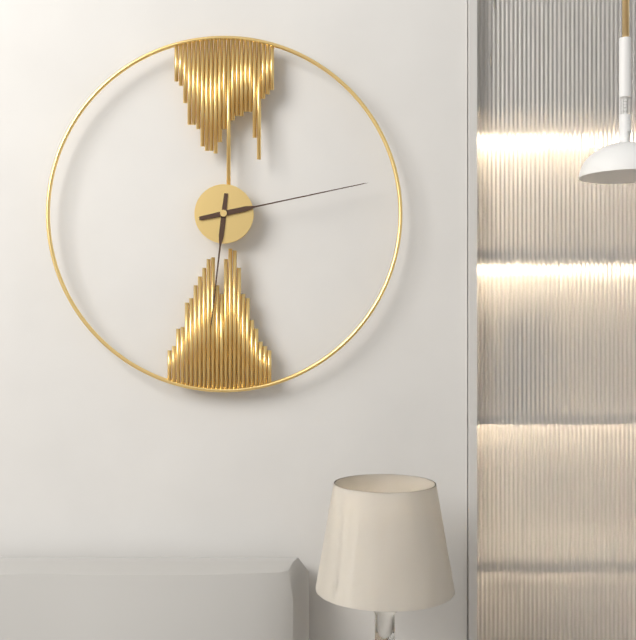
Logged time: 6:13
